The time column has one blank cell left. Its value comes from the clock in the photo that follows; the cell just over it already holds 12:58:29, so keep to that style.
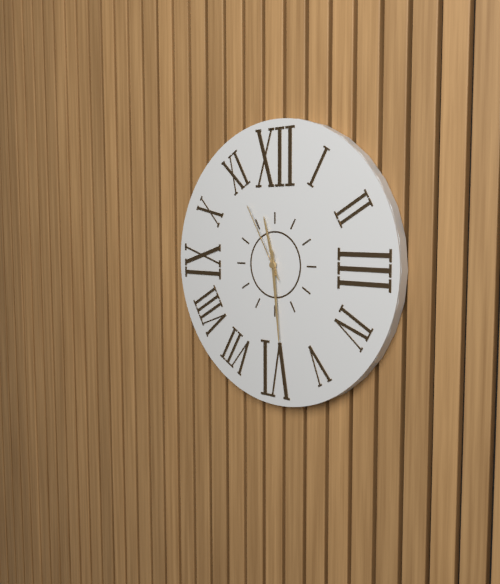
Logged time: 11:29:55
